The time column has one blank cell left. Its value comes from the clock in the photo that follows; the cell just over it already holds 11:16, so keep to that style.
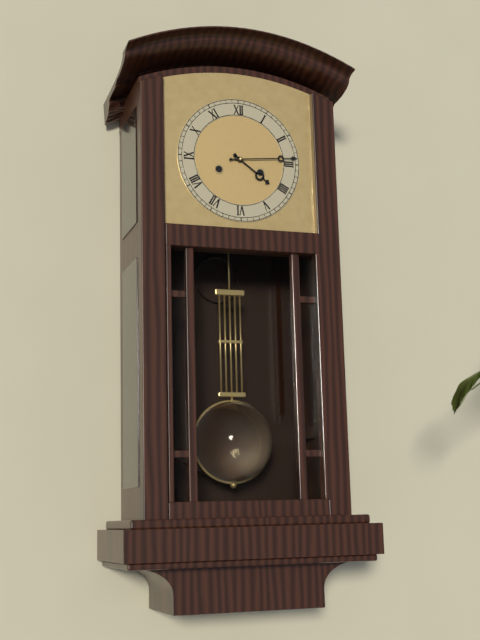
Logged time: 4:14
